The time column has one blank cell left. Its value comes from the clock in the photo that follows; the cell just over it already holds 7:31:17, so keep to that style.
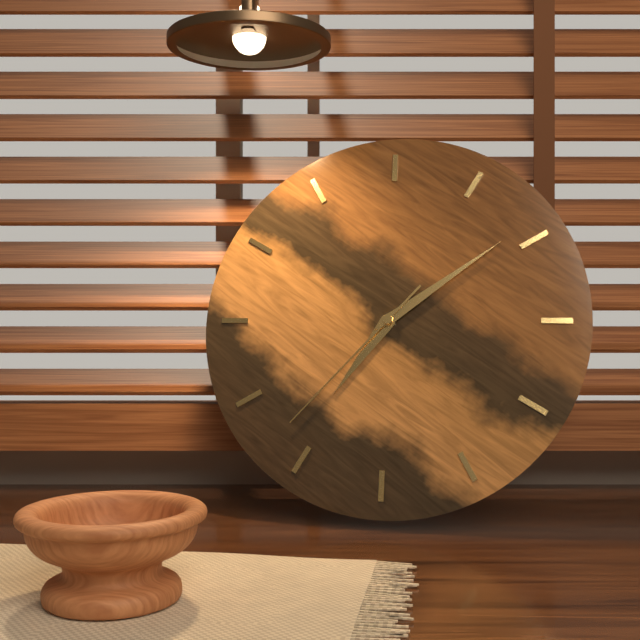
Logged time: 7:09:37
